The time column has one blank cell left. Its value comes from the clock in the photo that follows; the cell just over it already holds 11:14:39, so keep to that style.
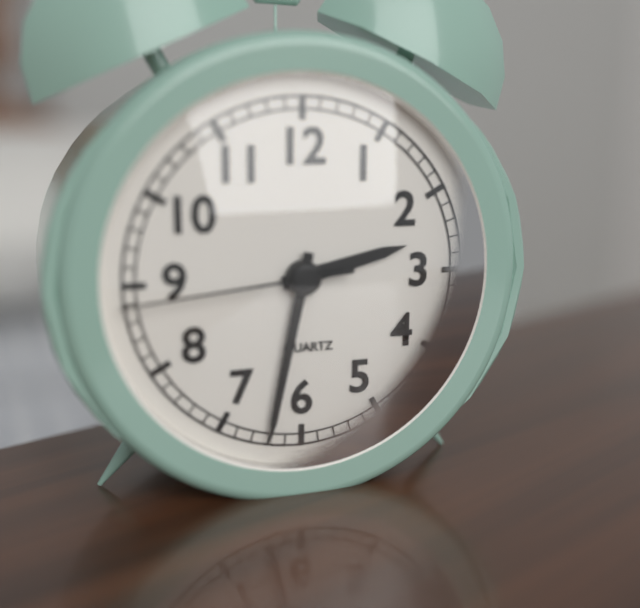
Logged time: 2:32:44
